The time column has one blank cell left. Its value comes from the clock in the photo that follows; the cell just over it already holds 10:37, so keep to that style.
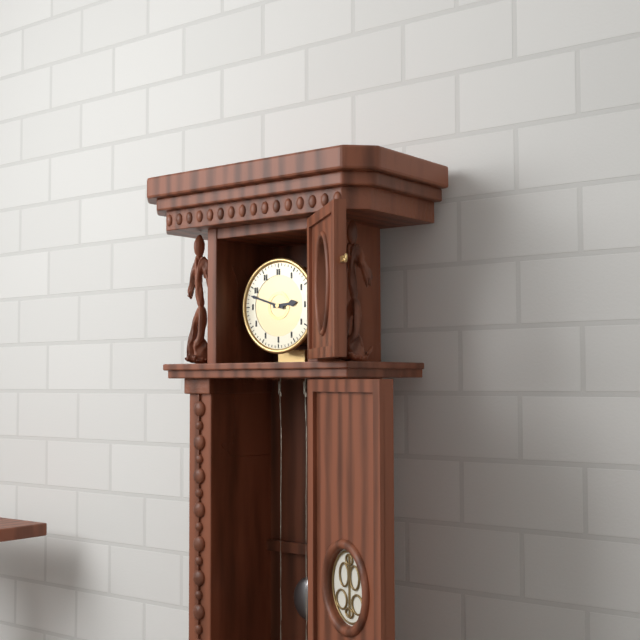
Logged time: 2:48
